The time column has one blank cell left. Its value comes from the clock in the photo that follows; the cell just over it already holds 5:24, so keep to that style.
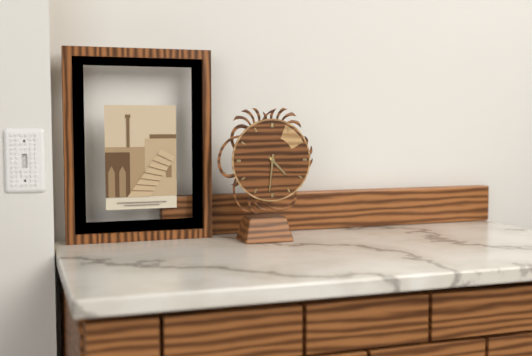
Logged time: 4:31
